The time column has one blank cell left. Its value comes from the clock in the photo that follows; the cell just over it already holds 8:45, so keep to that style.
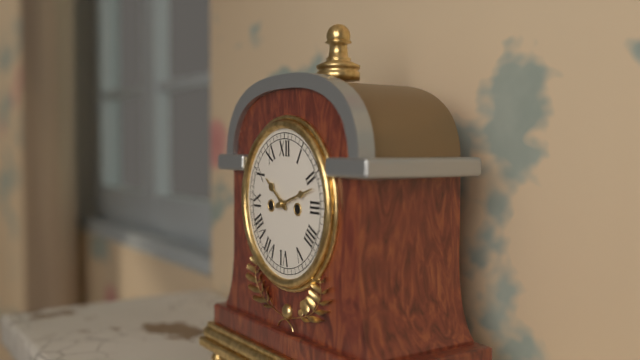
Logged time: 10:12
